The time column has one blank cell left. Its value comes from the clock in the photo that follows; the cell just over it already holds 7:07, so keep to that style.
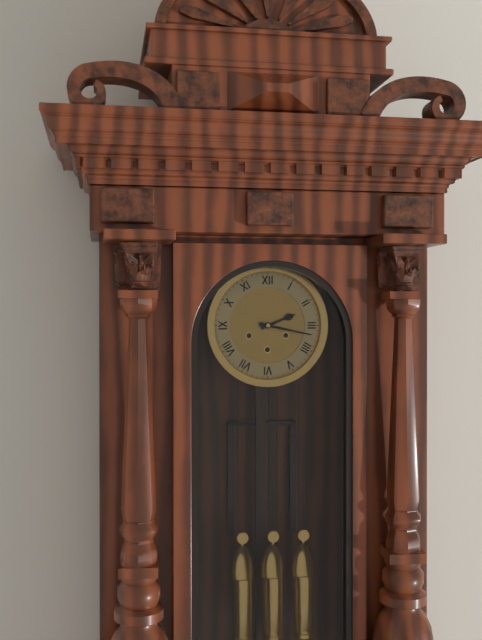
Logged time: 2:17
